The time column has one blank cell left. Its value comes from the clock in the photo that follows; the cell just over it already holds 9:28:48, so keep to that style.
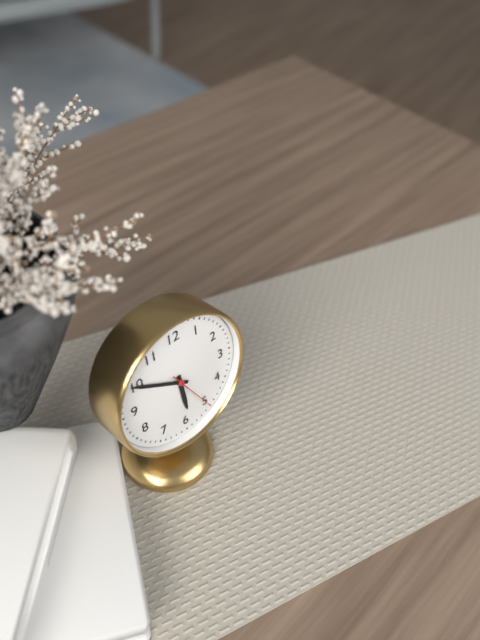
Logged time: 5:50:25
